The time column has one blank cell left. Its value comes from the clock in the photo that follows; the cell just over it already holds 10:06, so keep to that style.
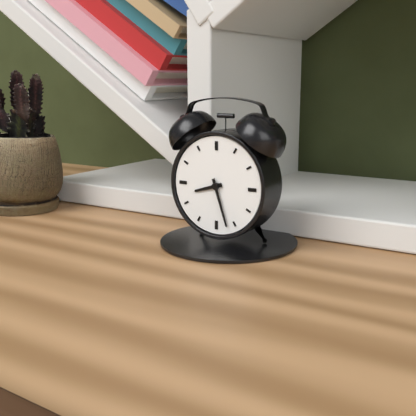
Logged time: 8:27
